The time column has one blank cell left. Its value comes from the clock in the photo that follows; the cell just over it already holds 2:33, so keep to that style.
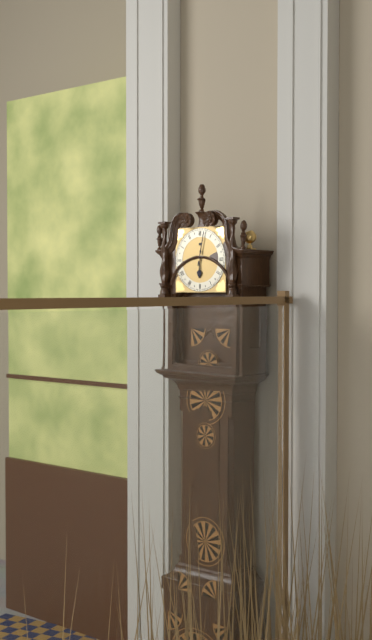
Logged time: 6:02
